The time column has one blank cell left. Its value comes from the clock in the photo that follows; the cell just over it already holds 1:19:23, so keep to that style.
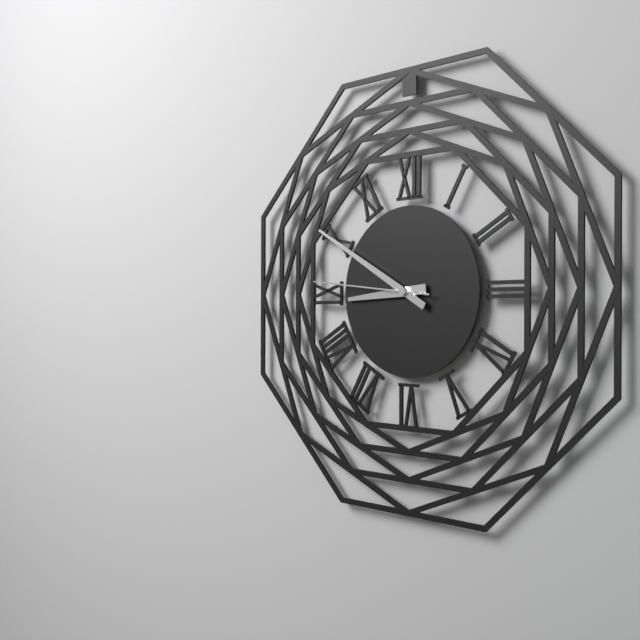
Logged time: 8:50:46
